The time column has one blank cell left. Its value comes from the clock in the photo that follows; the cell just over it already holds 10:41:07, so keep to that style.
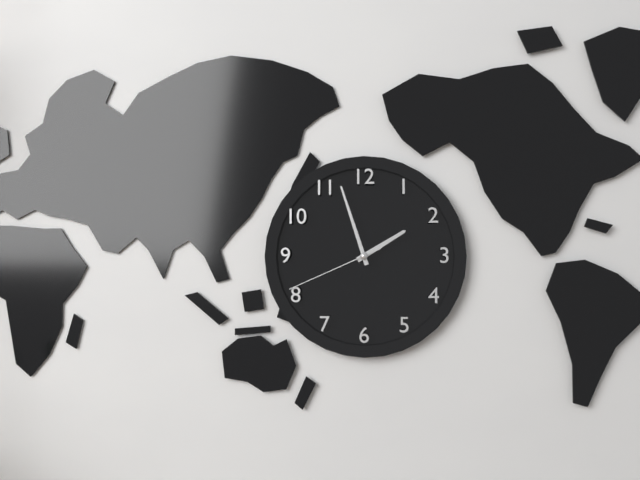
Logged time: 1:57:41
